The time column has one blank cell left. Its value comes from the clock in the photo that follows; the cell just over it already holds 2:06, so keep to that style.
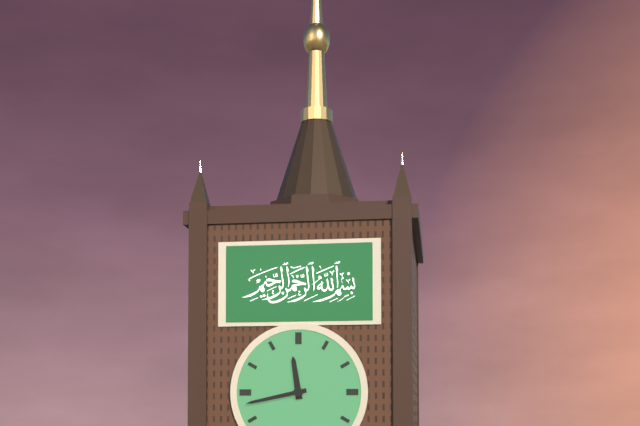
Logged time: 11:43
